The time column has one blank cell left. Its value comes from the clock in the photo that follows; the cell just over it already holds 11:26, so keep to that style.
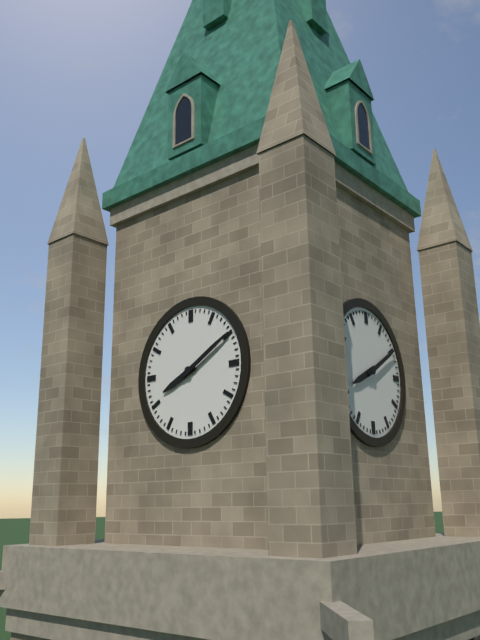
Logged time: 8:10
